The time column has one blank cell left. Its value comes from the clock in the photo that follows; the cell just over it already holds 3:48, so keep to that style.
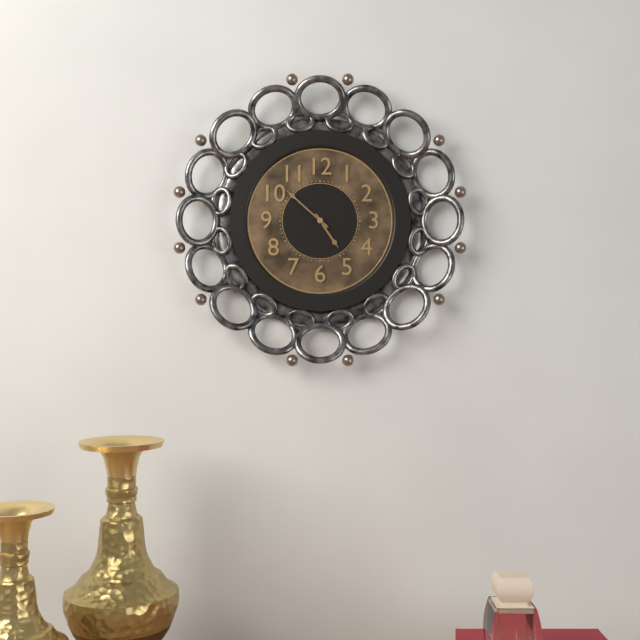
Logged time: 4:52
